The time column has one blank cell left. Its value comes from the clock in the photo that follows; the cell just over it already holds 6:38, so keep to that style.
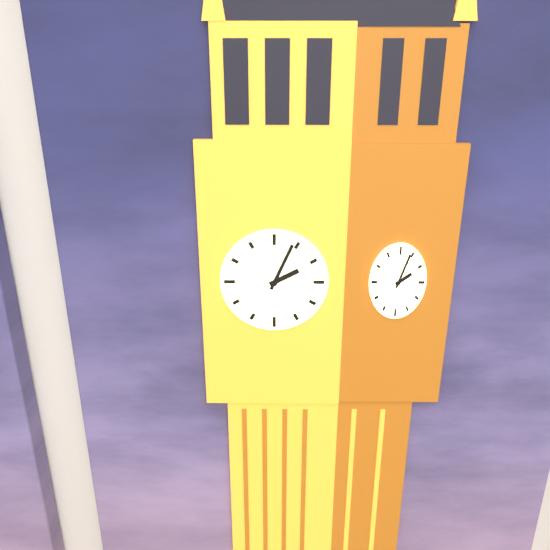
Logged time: 2:04
